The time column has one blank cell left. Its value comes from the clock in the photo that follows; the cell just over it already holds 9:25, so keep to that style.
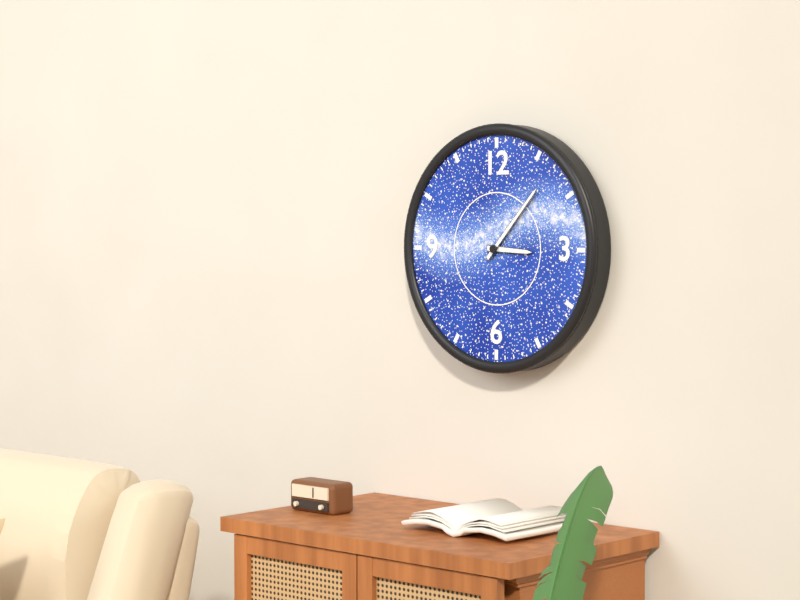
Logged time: 3:07
